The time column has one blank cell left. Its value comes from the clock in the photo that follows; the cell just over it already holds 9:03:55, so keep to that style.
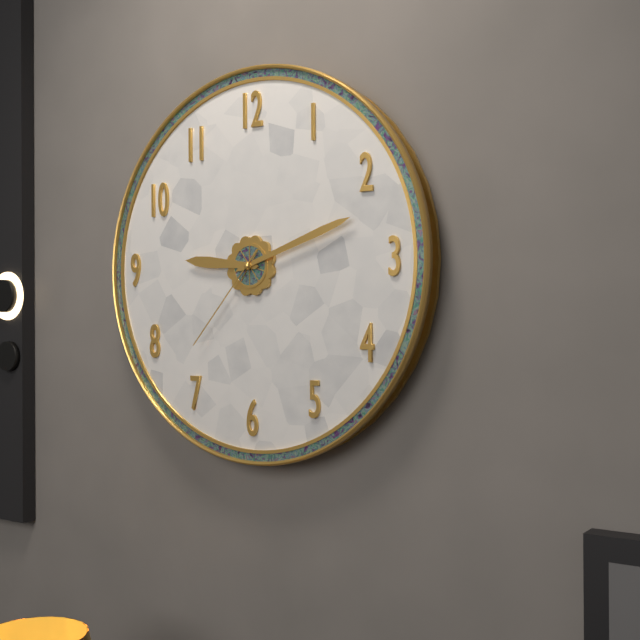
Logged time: 9:12:37
